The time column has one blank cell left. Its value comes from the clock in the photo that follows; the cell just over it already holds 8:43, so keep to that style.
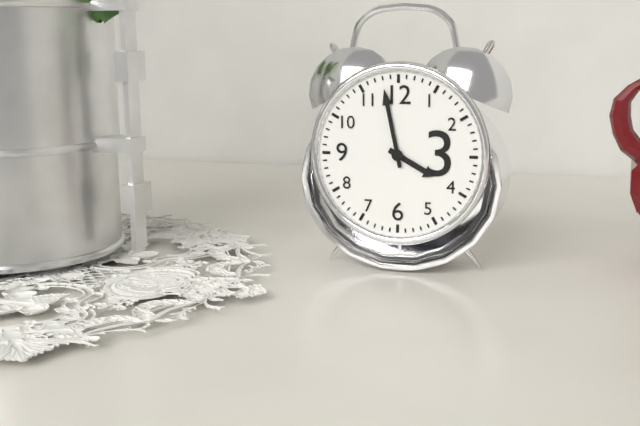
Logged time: 3:58
